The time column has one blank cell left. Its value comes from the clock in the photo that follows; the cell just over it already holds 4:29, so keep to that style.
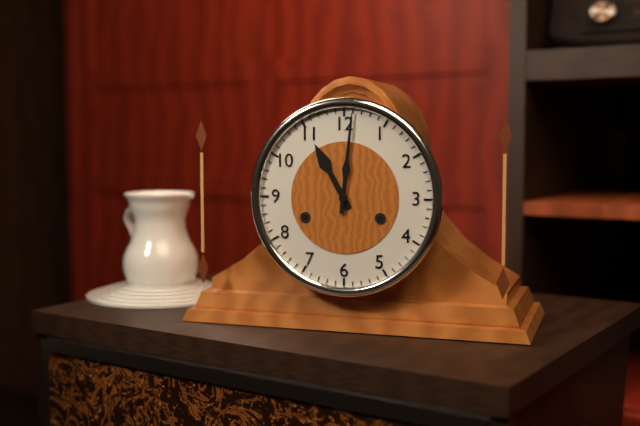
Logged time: 11:01
